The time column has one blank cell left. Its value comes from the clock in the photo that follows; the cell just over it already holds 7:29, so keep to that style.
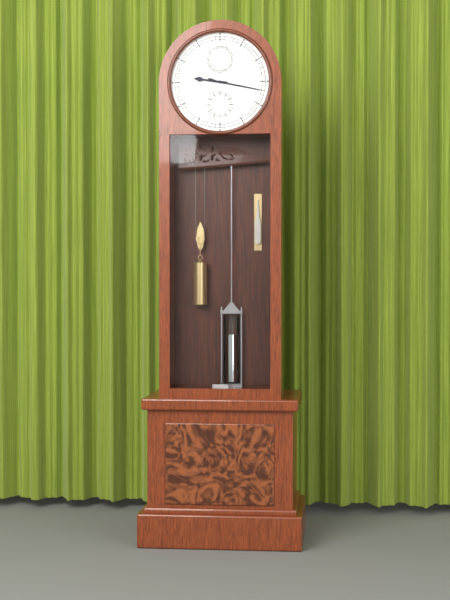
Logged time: 9:17
